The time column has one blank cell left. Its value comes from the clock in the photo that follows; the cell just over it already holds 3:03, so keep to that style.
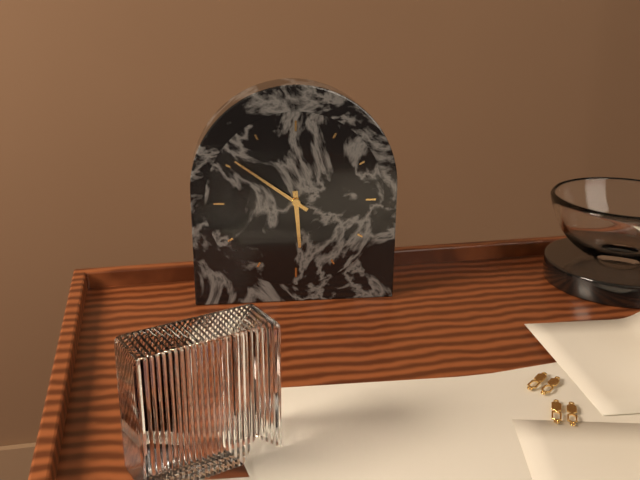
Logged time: 5:51
